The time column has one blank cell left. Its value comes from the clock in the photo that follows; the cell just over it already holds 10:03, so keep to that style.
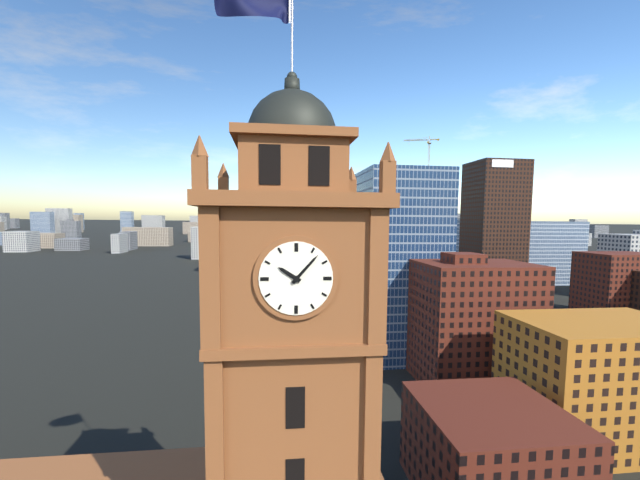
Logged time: 10:07
